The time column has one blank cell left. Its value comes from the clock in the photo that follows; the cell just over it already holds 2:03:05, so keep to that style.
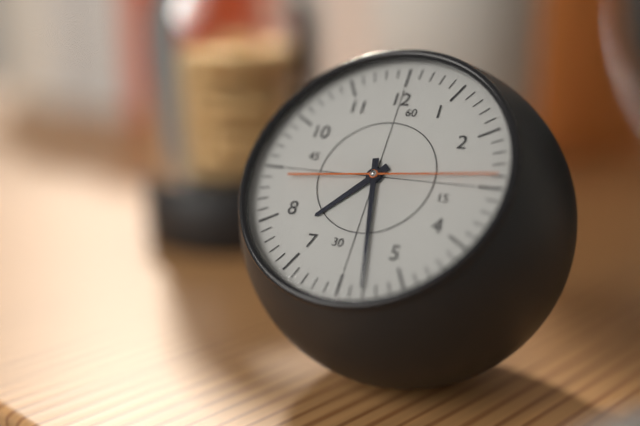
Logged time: 7:28:14
